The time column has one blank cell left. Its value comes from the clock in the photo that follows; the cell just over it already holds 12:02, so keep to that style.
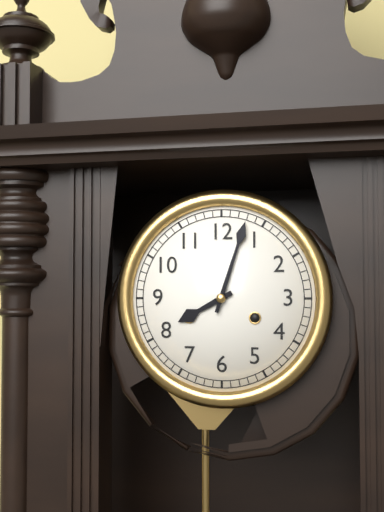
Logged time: 8:03
